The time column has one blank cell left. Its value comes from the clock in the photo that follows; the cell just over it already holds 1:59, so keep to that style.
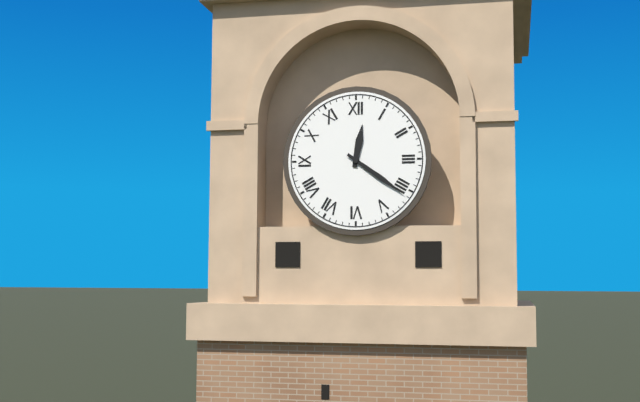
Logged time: 12:21
